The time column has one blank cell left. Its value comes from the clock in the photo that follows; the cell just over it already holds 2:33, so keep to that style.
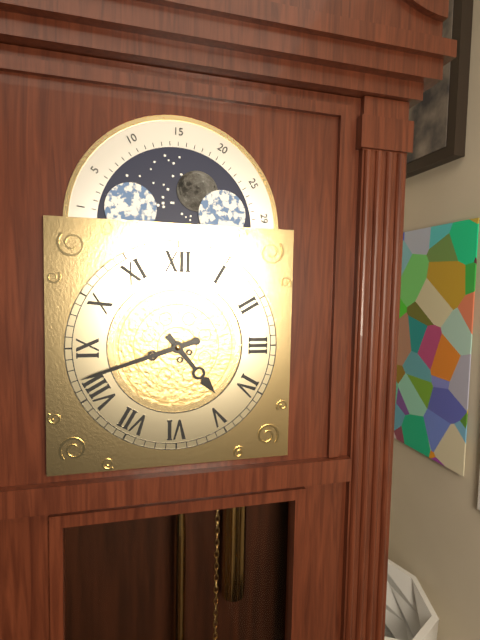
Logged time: 4:42
